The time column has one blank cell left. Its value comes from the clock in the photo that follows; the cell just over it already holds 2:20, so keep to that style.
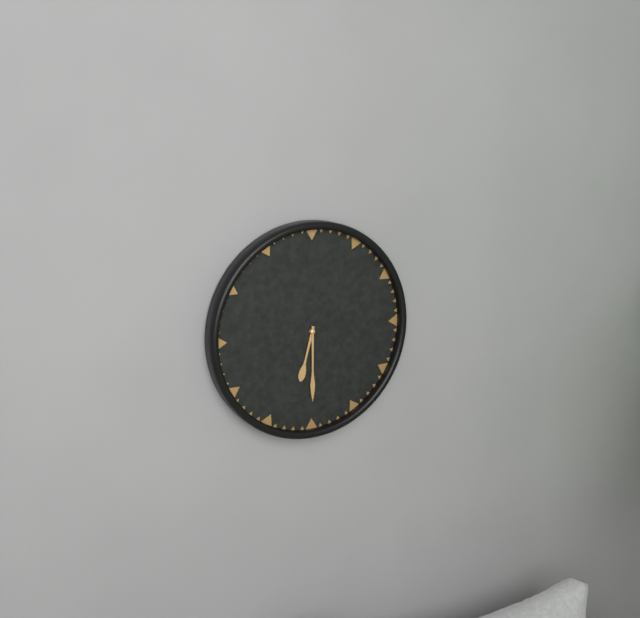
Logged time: 6:30
